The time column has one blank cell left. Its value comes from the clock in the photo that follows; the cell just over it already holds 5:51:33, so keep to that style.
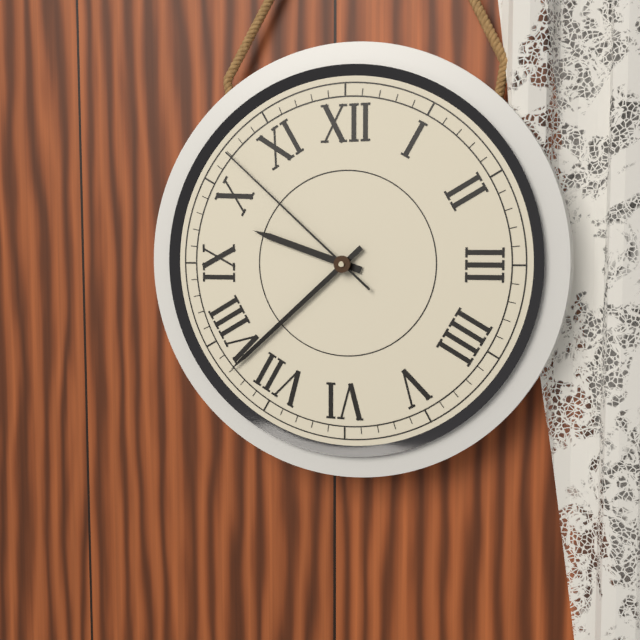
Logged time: 9:38:52
